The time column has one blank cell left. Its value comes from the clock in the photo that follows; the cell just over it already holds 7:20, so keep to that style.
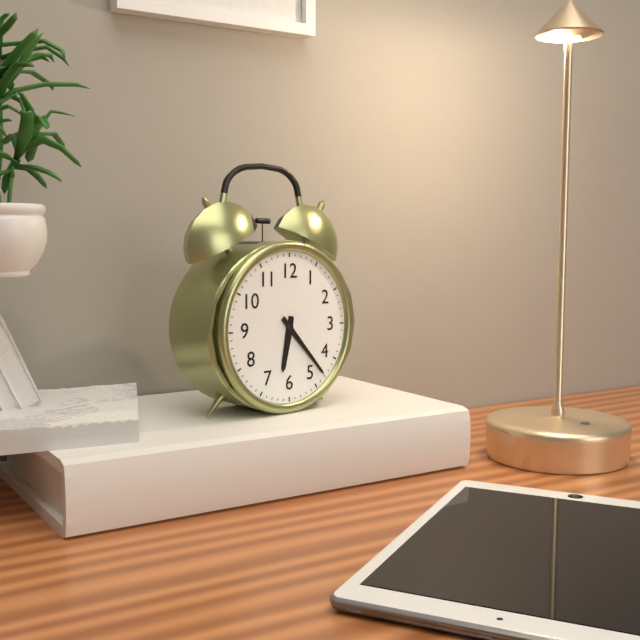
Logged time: 6:23
